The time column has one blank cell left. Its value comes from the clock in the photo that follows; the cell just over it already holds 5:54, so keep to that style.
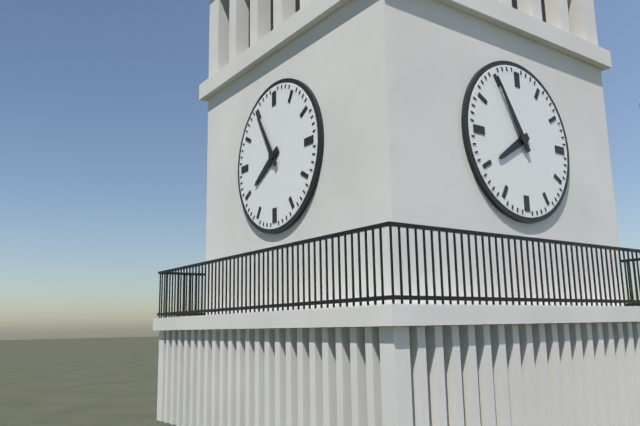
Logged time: 7:55
